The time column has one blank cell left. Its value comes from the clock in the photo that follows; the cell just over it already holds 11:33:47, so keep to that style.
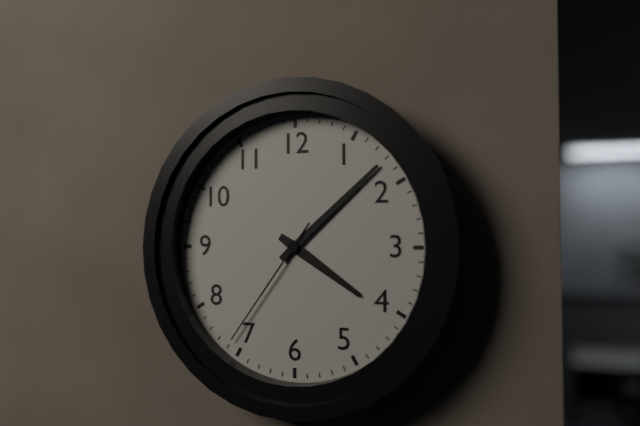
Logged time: 4:08:36
